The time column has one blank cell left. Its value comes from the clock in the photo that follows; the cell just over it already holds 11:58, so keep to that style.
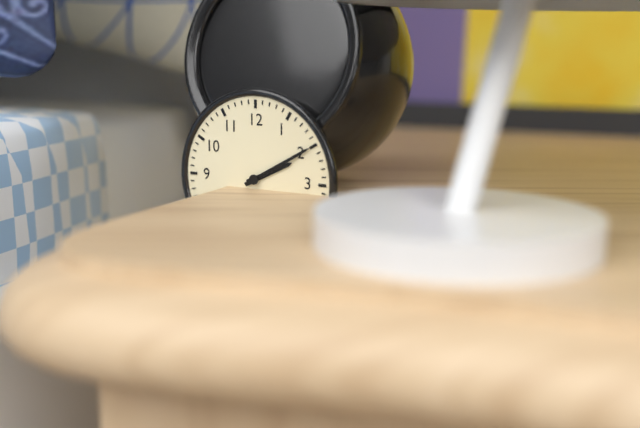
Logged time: 2:10
